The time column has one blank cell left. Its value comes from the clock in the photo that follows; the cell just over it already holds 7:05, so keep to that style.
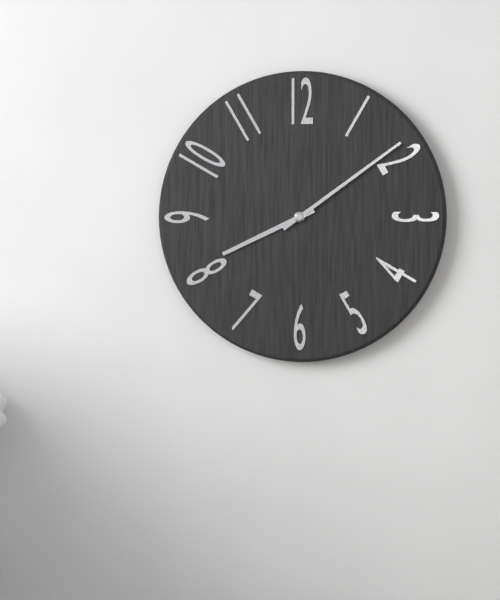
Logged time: 8:09
